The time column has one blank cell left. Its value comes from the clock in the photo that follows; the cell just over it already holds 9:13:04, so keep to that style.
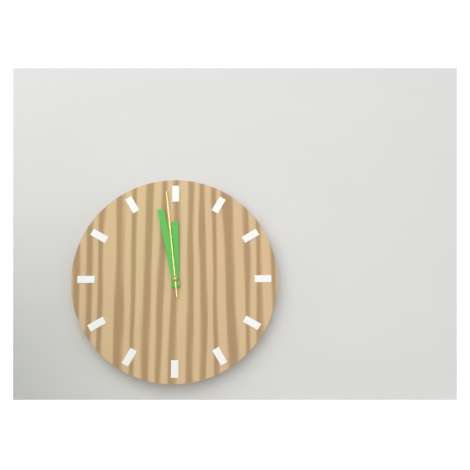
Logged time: 11:58:59
